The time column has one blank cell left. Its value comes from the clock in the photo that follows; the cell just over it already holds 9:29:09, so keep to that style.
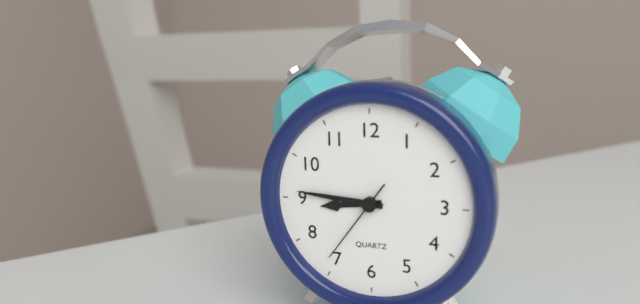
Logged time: 8:46:36
